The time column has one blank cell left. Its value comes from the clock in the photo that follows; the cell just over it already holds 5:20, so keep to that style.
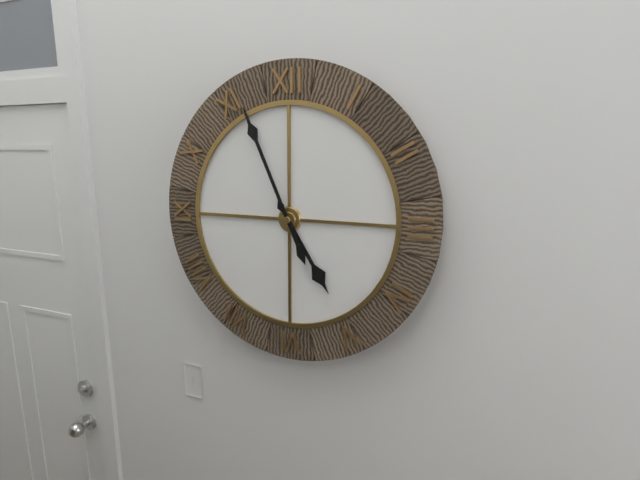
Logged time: 4:56
